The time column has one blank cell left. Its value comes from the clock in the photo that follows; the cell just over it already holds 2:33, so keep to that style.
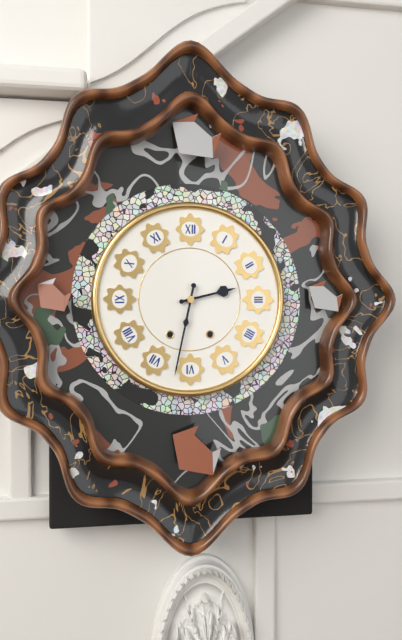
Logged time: 2:32
